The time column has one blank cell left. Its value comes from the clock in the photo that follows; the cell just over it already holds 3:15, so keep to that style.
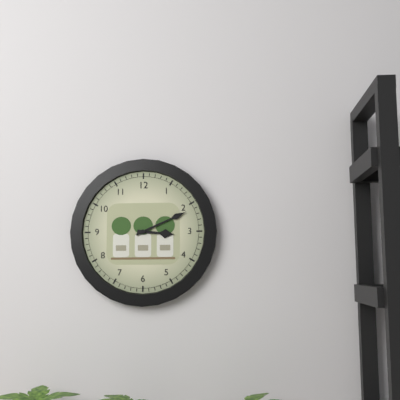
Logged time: 3:11
